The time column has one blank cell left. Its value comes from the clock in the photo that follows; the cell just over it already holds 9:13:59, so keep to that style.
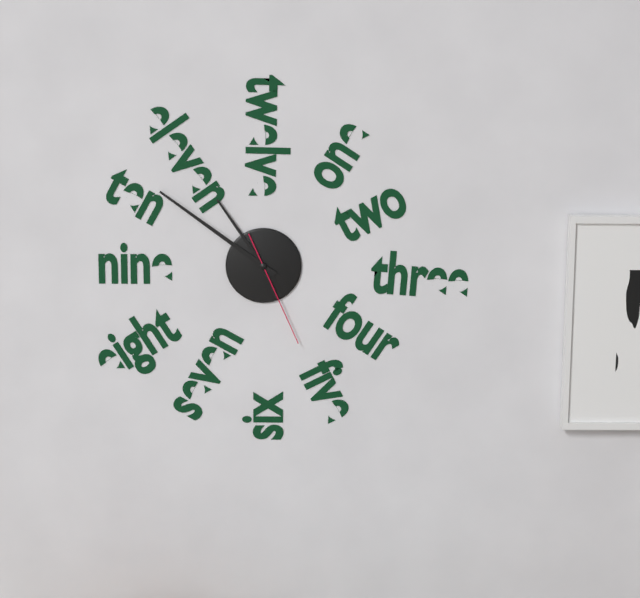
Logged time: 10:51:26
